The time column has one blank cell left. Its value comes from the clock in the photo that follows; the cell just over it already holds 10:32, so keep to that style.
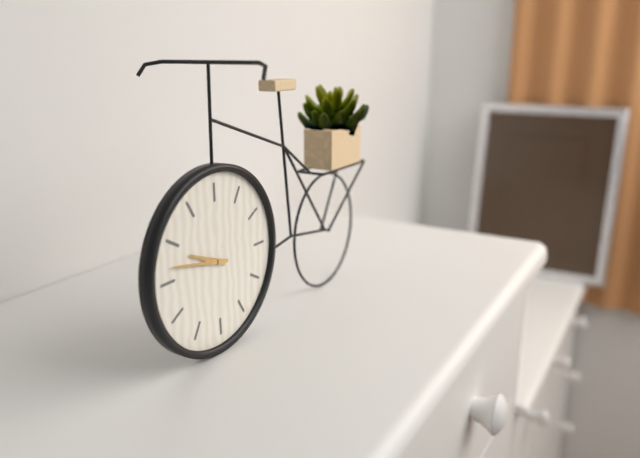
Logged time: 9:47
